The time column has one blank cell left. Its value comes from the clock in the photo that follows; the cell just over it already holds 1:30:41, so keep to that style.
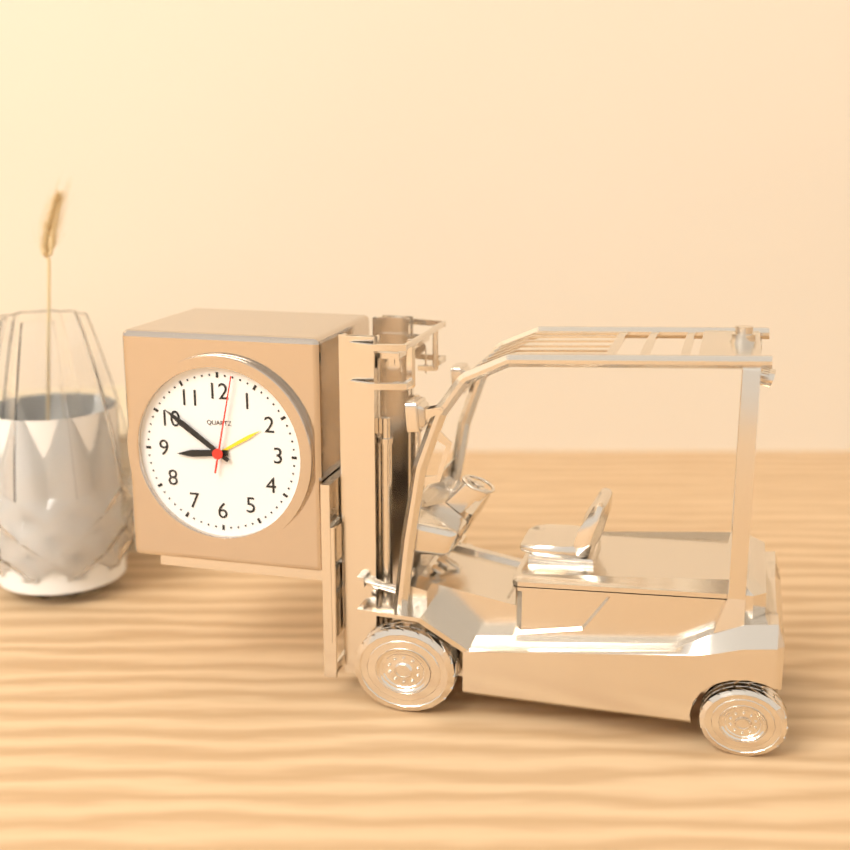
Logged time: 8:51:02
